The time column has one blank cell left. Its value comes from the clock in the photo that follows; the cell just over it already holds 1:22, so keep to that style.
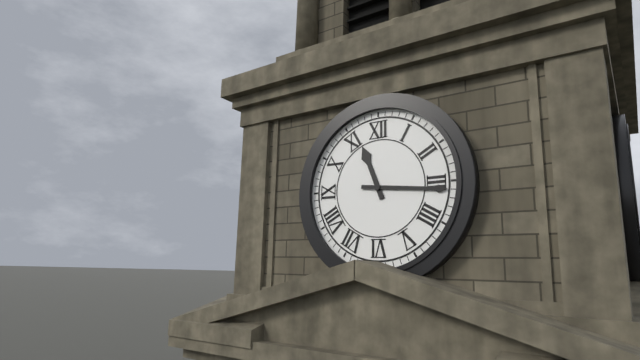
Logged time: 11:16
